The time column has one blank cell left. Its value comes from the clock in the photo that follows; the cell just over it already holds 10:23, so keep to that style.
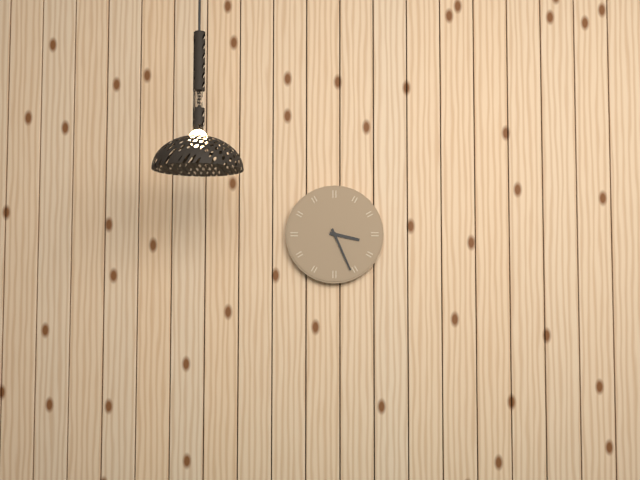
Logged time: 3:26
